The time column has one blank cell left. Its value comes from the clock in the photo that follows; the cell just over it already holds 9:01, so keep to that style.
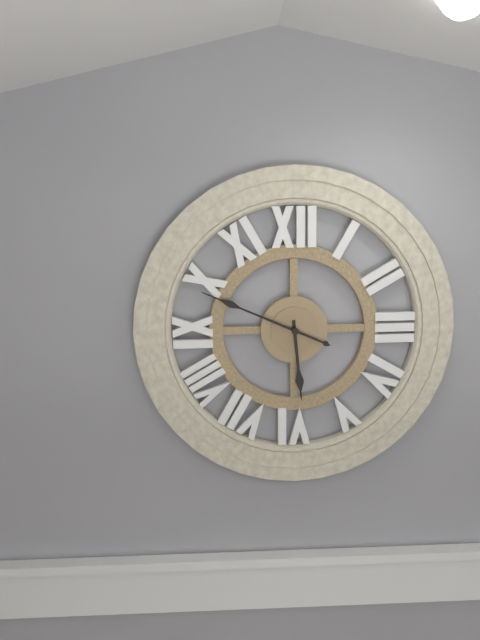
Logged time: 5:49
